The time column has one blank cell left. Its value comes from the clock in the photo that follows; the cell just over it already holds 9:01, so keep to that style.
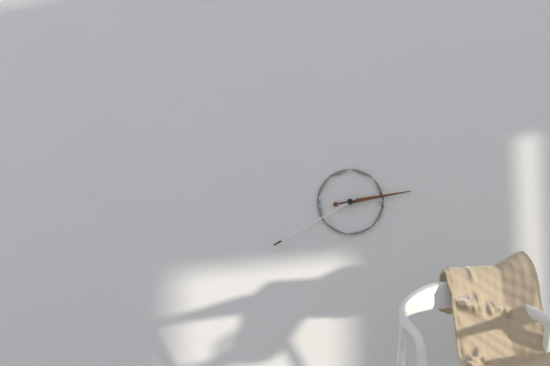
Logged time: 2:40
